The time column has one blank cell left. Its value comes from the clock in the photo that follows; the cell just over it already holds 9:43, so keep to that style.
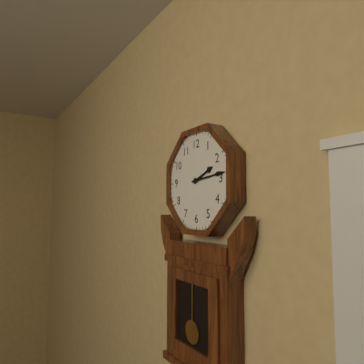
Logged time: 2:14
